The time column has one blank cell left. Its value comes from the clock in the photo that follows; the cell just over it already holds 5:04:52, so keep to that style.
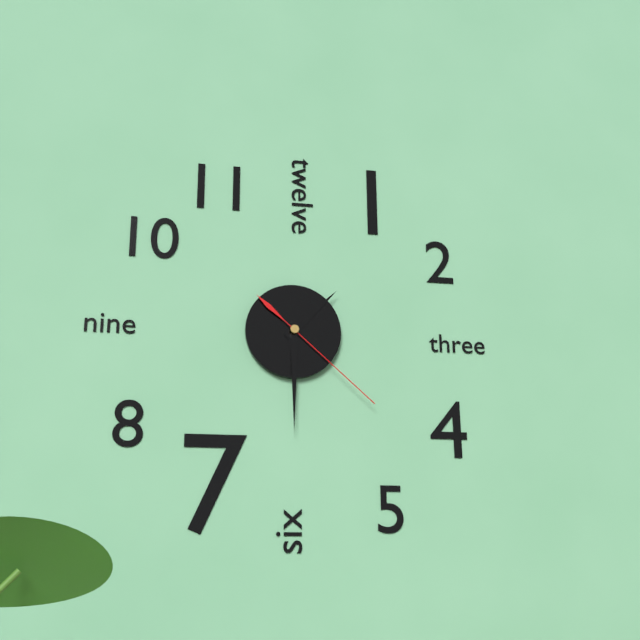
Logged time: 1:30:22
